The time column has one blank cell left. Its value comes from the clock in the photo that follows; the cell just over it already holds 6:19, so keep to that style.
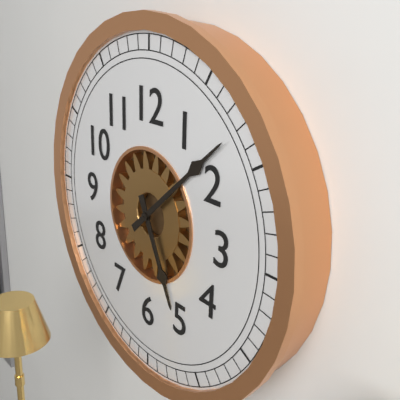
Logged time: 5:08
